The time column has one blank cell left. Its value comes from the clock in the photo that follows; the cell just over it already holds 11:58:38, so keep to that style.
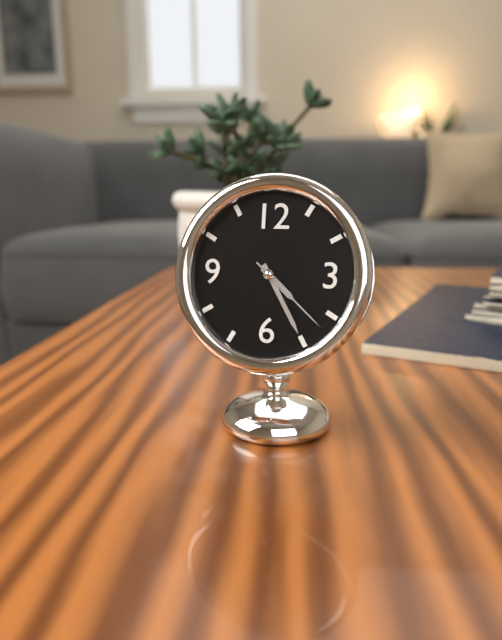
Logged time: 4:25:22
